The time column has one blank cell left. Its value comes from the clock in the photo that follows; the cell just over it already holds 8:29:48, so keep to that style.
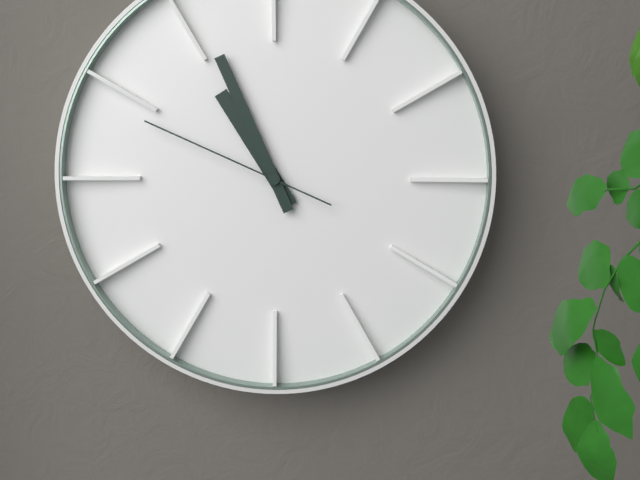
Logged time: 10:56:49
